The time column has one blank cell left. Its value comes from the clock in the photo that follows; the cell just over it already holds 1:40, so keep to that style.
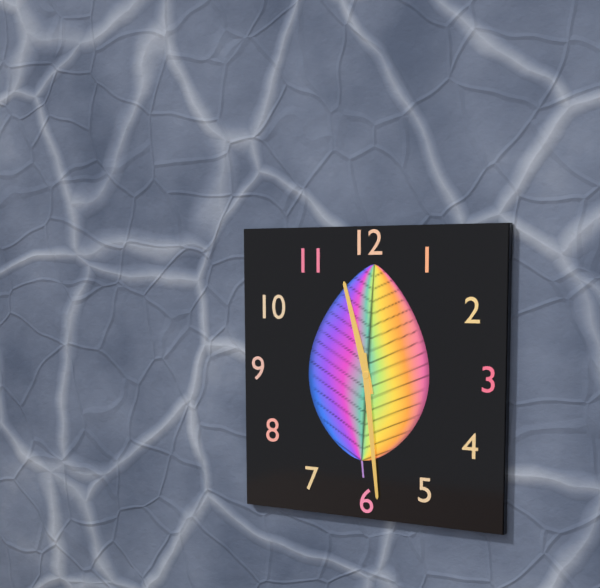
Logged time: 11:29
